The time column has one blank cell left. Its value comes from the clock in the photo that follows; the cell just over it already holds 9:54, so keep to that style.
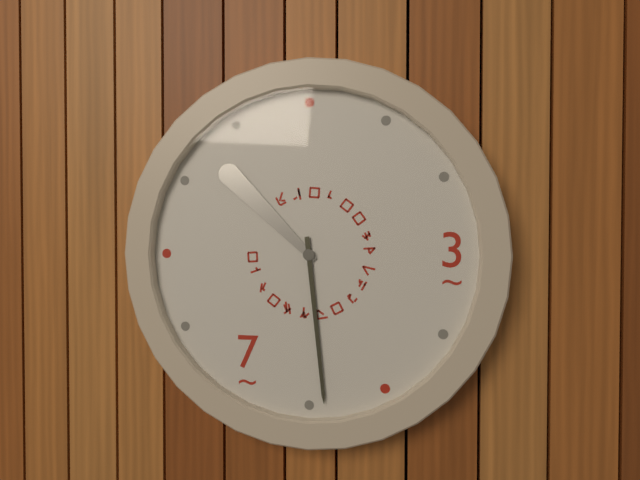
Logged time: 10:29
